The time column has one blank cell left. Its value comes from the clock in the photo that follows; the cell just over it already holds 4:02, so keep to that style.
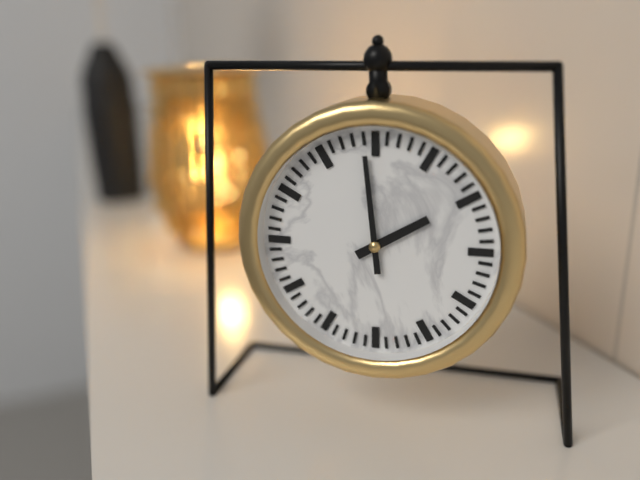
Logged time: 1:59
